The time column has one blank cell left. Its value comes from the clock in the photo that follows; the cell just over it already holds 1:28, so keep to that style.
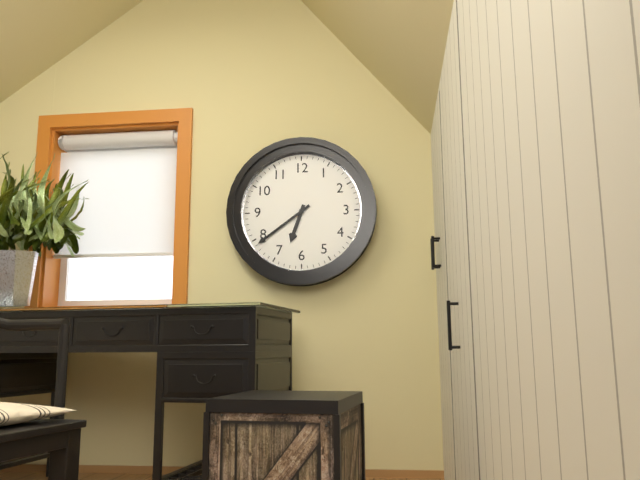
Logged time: 6:39
